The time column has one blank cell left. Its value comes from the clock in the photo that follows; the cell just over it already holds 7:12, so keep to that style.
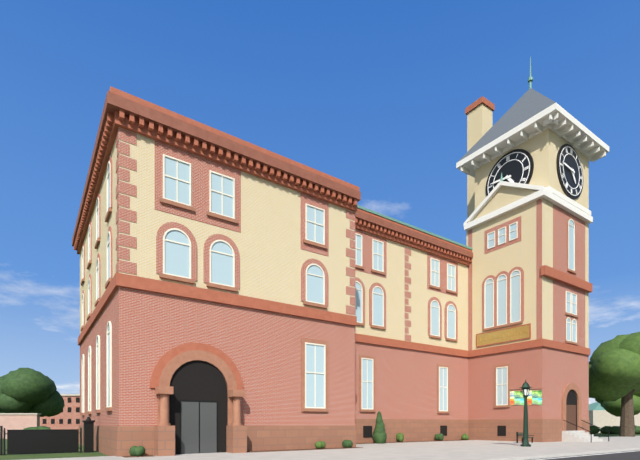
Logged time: 4:46
